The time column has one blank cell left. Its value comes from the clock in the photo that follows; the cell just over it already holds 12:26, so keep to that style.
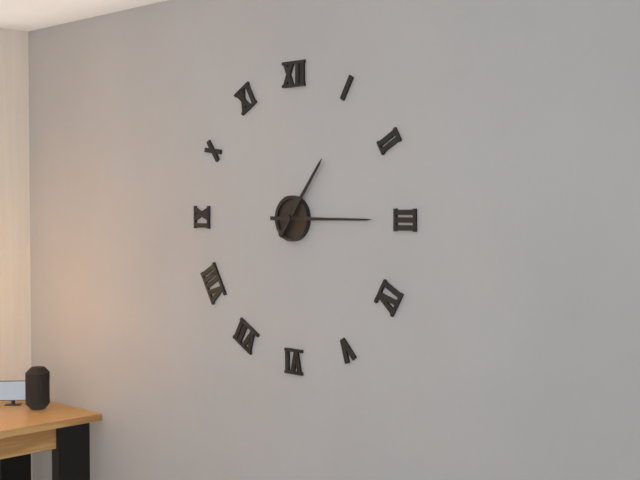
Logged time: 1:15
